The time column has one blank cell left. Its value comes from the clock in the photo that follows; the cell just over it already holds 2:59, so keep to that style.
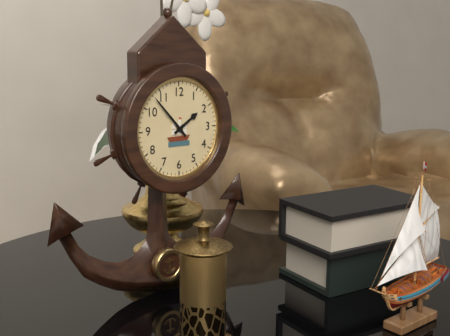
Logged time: 1:53
